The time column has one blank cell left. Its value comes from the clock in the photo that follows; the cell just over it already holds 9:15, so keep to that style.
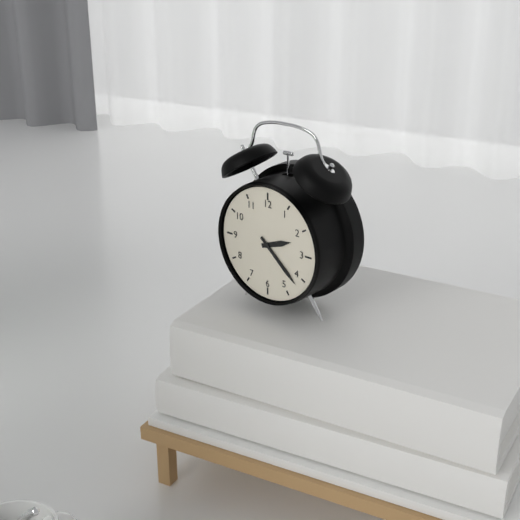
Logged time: 2:22
